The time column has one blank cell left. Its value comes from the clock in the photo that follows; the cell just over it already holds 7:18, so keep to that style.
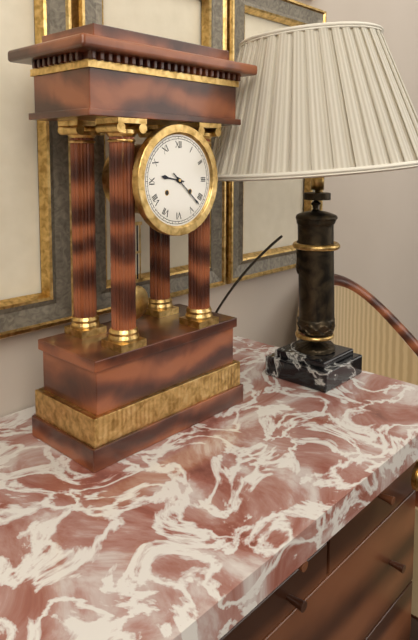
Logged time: 9:22
